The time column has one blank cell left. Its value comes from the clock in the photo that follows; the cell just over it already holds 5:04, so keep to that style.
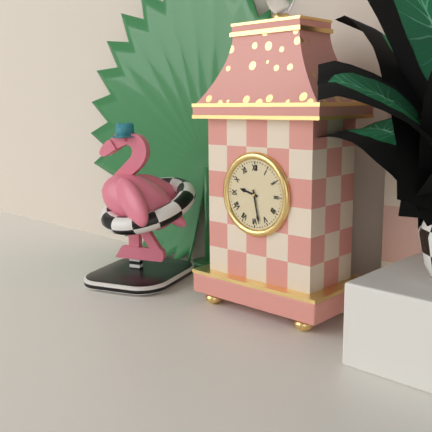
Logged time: 9:28
